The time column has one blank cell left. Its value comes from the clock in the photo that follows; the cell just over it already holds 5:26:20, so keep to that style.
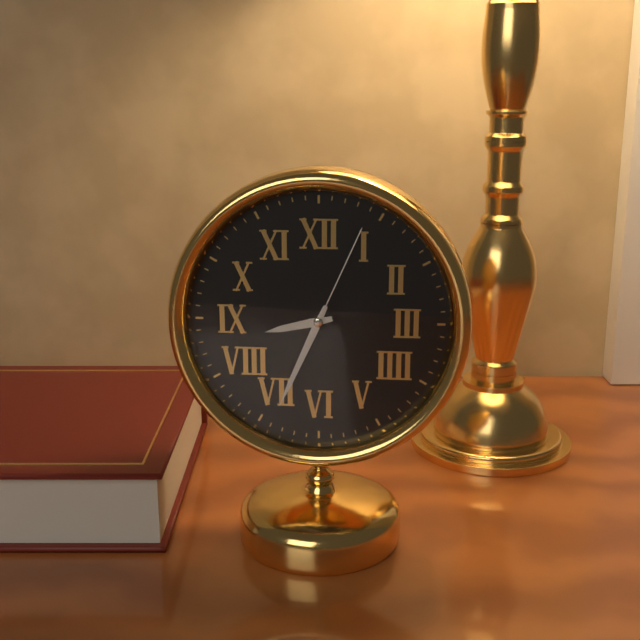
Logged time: 8:34:04
